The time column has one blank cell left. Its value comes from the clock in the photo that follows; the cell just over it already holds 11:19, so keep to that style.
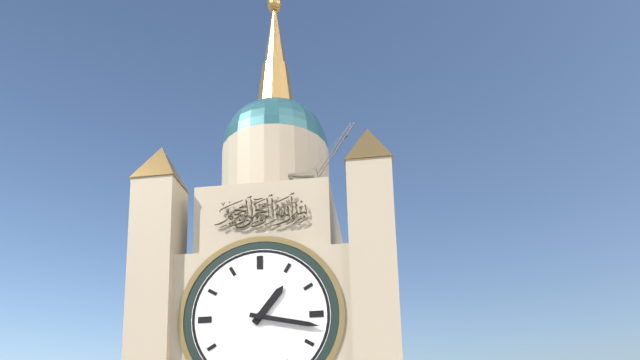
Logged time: 1:17
